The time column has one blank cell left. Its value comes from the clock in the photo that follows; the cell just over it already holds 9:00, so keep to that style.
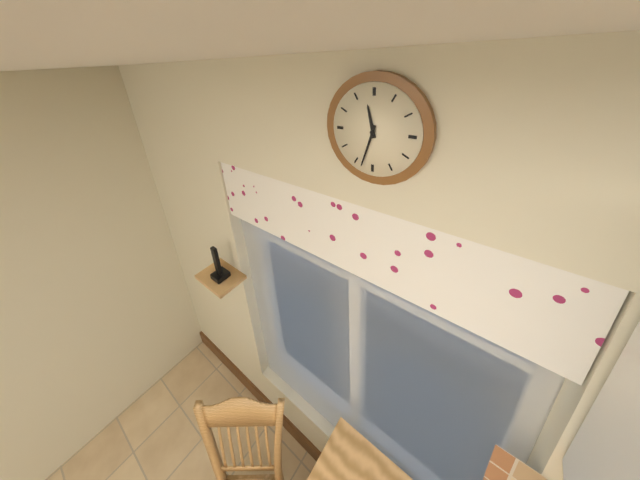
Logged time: 11:33
